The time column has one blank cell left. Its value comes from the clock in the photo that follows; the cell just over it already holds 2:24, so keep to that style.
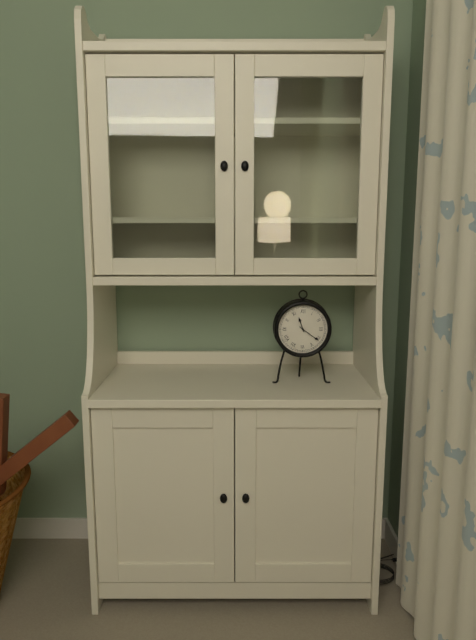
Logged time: 11:21
